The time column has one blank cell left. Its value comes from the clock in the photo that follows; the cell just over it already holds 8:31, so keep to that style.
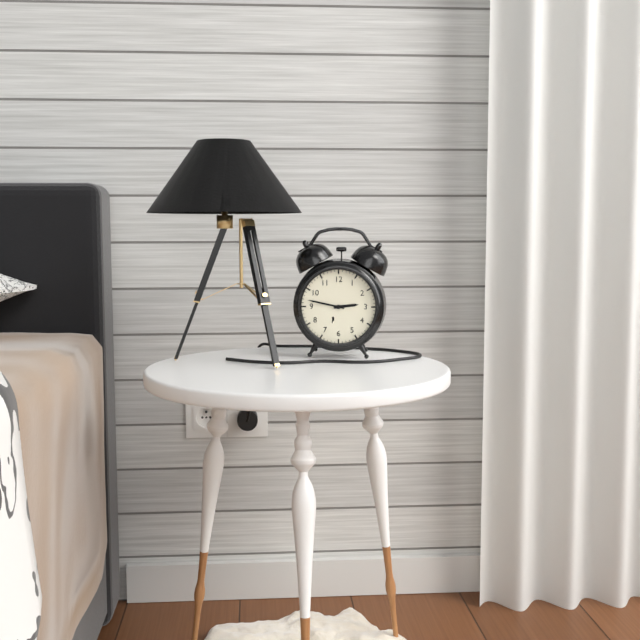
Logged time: 2:47
